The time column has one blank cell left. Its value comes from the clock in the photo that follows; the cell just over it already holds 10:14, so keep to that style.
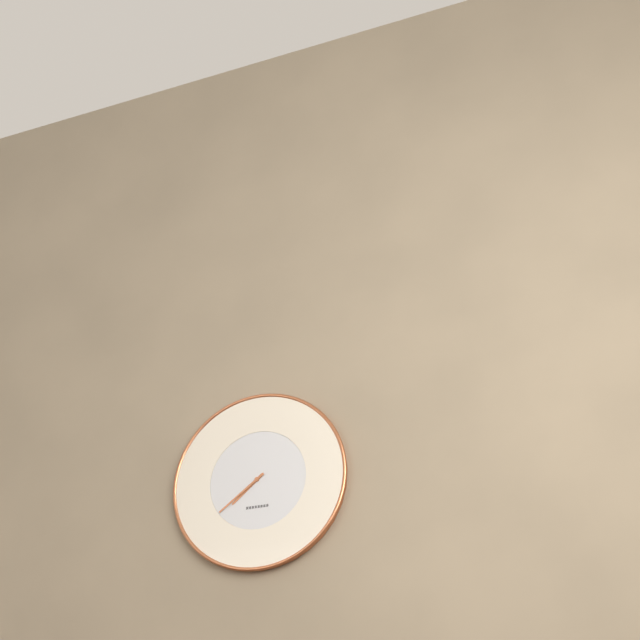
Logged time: 7:39
